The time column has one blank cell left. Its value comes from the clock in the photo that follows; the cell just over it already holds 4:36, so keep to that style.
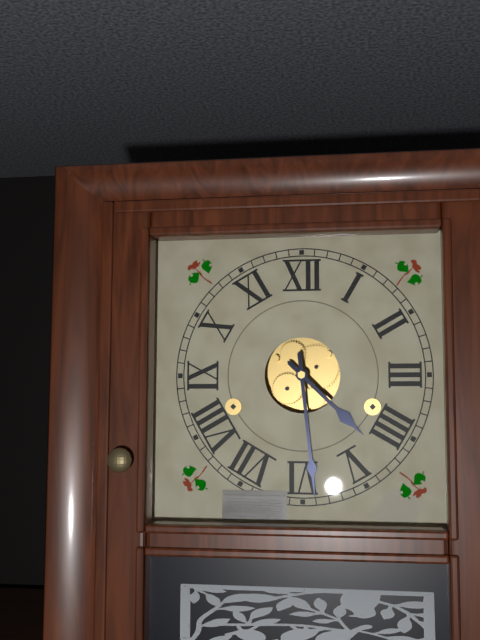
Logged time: 4:29
